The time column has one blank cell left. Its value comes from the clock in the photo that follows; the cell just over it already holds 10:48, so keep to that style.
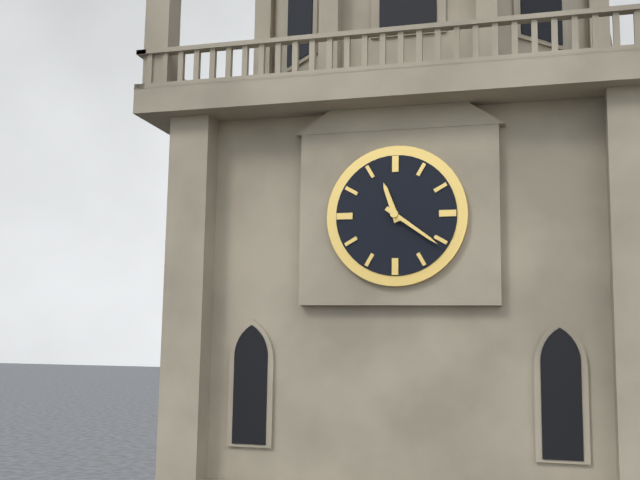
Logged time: 11:21
